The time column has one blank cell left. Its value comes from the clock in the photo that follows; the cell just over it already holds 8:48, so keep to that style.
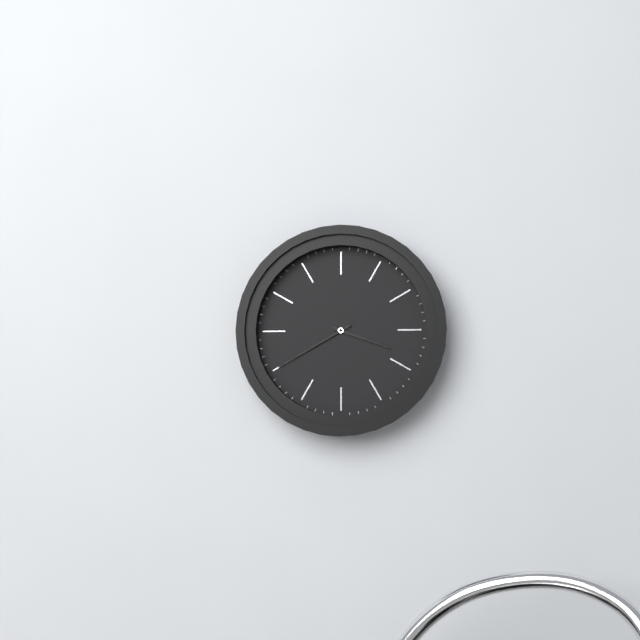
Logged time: 3:40
